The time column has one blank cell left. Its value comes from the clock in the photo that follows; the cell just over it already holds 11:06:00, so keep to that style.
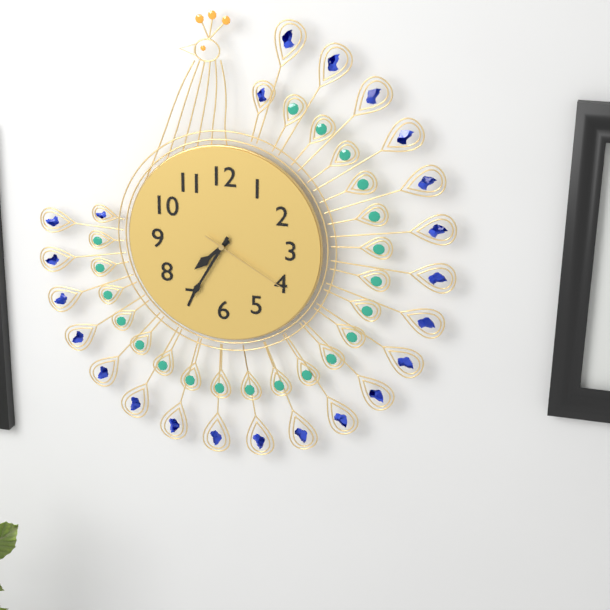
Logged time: 7:35:20
